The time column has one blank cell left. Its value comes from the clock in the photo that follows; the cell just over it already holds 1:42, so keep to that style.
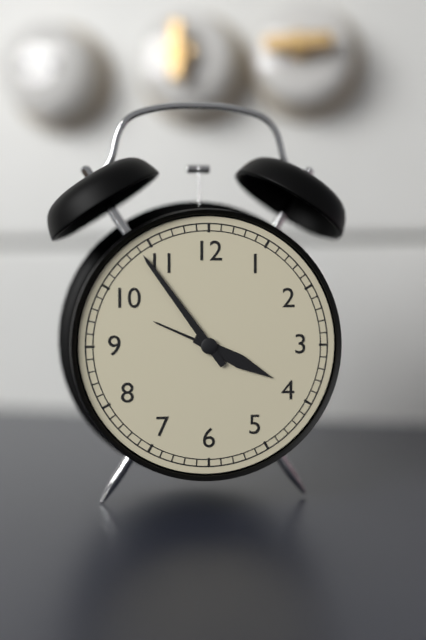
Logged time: 3:54
